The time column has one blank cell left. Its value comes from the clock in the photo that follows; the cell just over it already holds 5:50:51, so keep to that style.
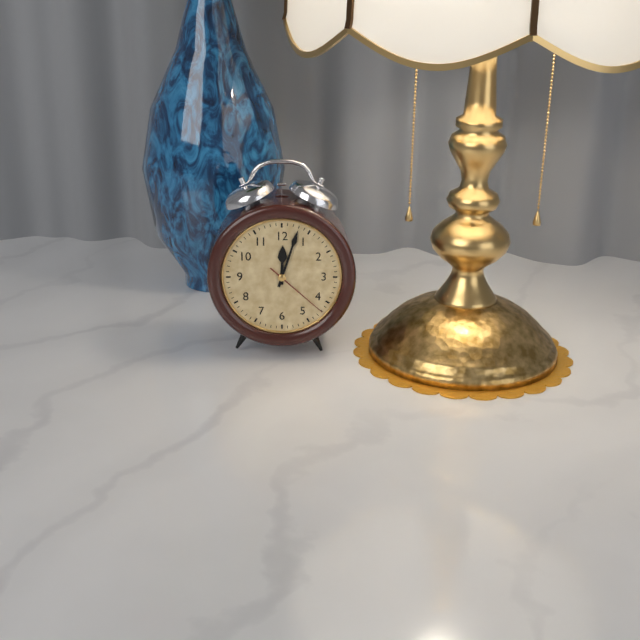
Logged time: 12:03:22
